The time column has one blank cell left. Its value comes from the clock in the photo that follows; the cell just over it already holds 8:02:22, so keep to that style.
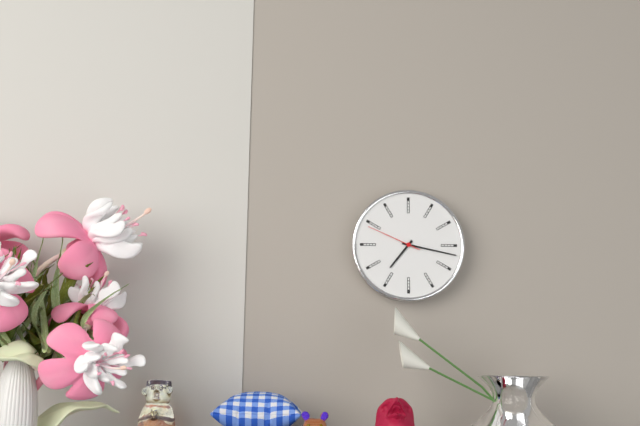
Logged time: 7:17:49
